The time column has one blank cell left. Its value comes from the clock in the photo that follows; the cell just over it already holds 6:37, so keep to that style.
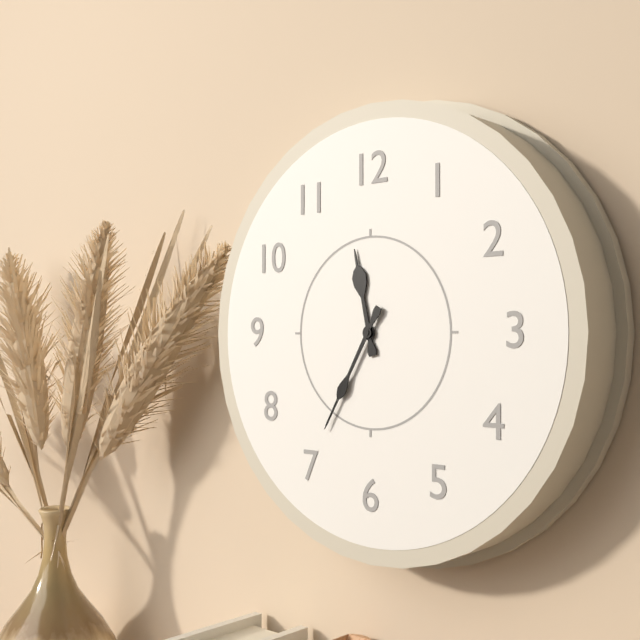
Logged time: 11:35
